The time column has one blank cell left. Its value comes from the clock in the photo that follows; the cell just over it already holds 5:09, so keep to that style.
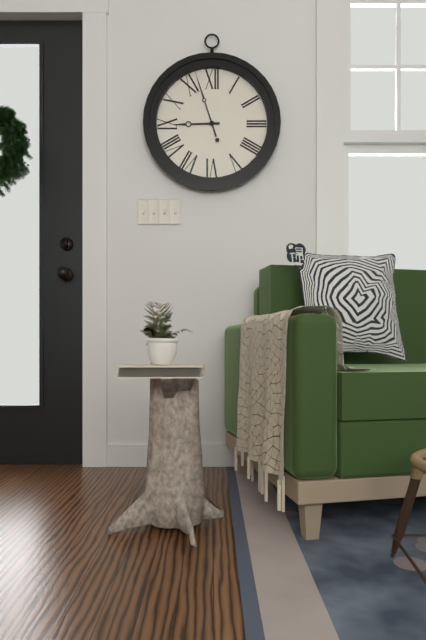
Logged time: 8:57
